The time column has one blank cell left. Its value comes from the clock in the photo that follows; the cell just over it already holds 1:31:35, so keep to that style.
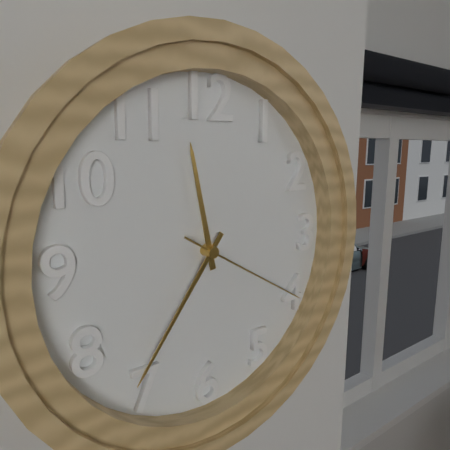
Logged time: 11:36:20
